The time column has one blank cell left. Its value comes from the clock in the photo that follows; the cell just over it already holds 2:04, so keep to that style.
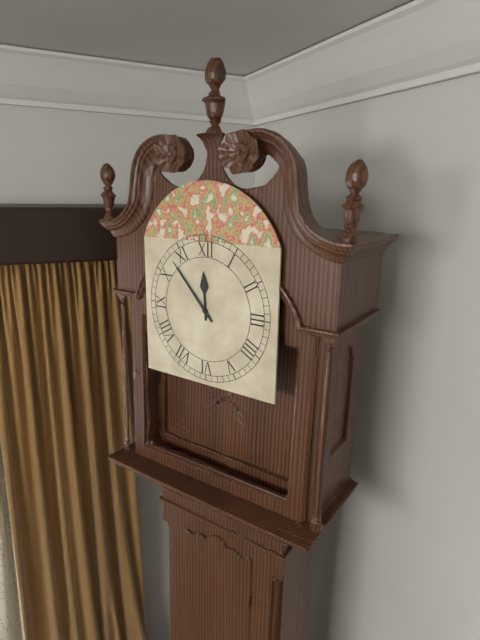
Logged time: 11:53
